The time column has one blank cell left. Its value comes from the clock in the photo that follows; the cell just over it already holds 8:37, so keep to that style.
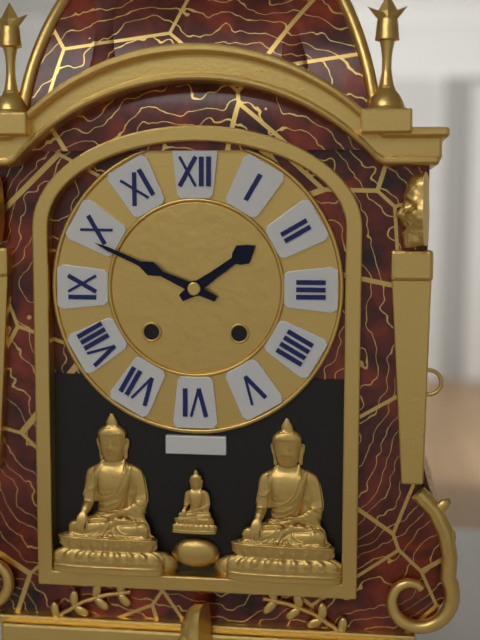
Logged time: 1:49
